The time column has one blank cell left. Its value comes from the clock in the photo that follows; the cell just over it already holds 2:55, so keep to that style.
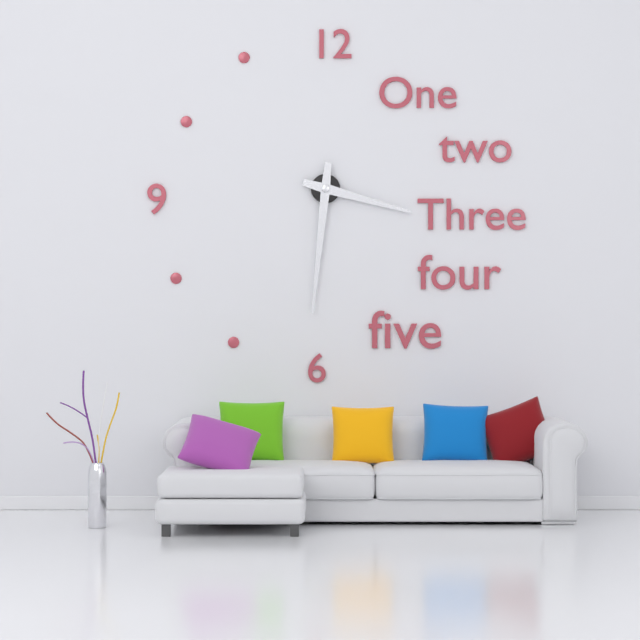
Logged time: 3:31
